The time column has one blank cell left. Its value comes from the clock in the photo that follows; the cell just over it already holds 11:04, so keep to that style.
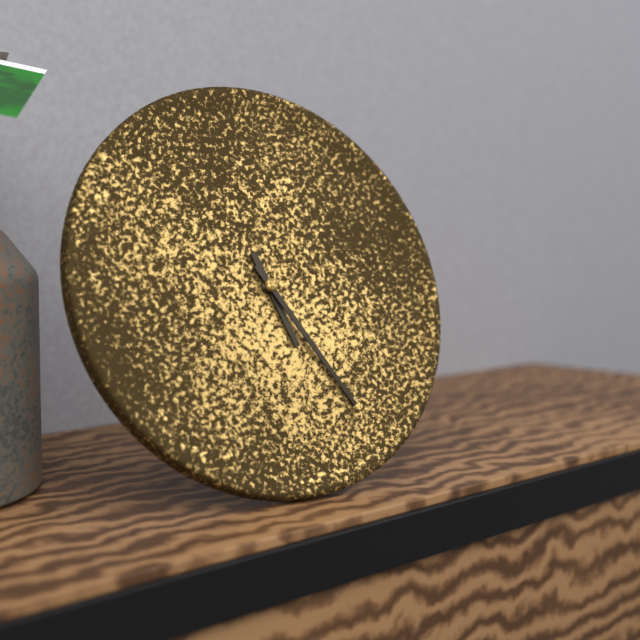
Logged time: 5:25
